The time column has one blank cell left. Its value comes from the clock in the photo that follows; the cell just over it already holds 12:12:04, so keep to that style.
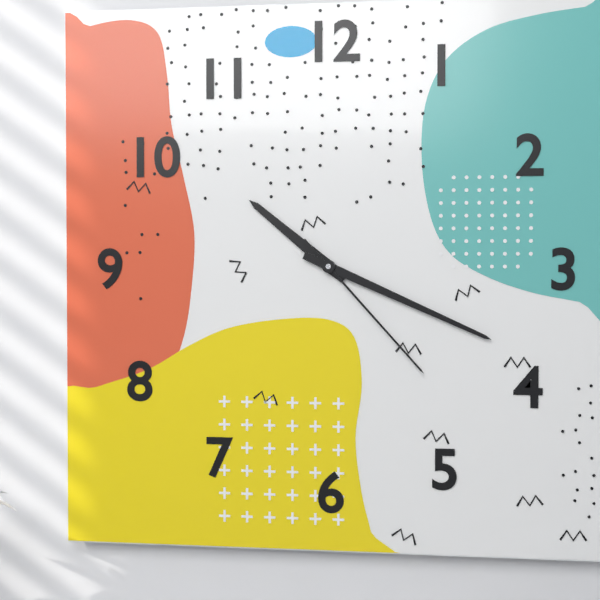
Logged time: 10:19:23
